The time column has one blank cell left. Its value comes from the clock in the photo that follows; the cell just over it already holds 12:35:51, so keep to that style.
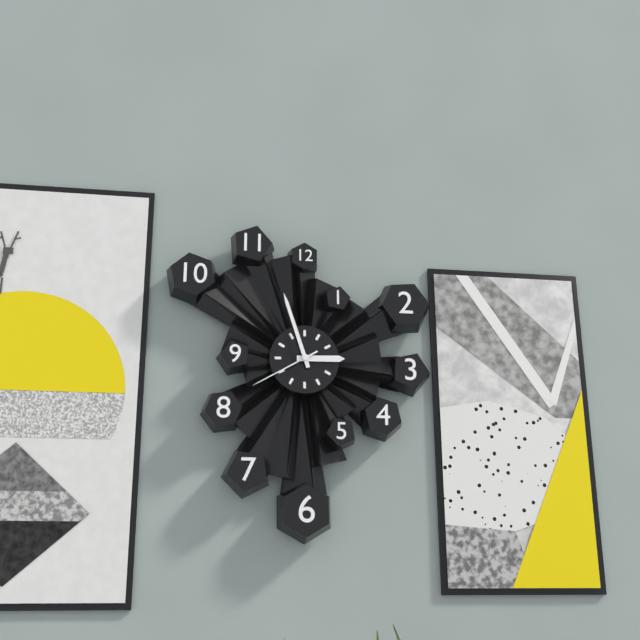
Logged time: 2:57:40
